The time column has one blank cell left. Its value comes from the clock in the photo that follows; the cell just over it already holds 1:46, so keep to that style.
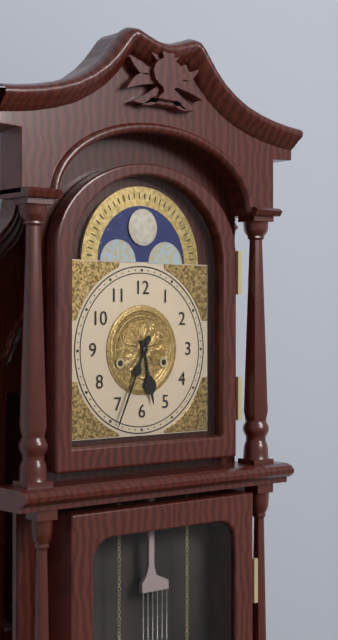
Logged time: 5:34
